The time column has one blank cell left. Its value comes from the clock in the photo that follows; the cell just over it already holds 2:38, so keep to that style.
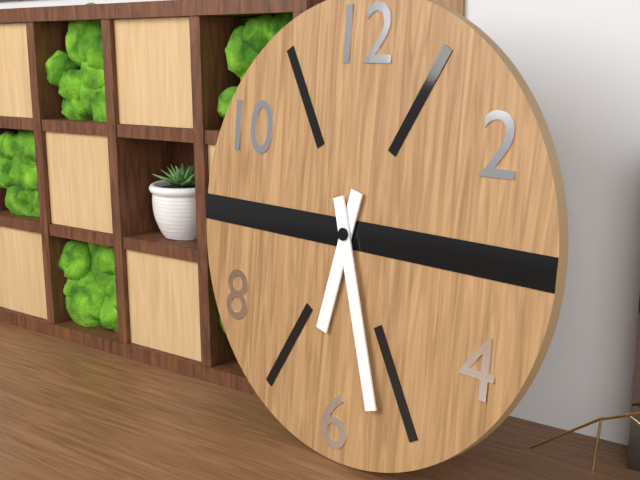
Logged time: 6:27
